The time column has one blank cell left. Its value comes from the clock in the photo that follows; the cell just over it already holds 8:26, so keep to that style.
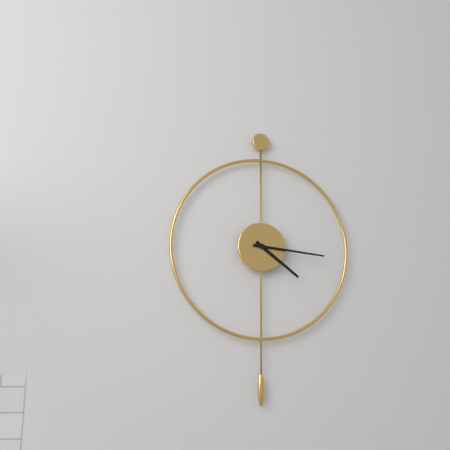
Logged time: 4:16
